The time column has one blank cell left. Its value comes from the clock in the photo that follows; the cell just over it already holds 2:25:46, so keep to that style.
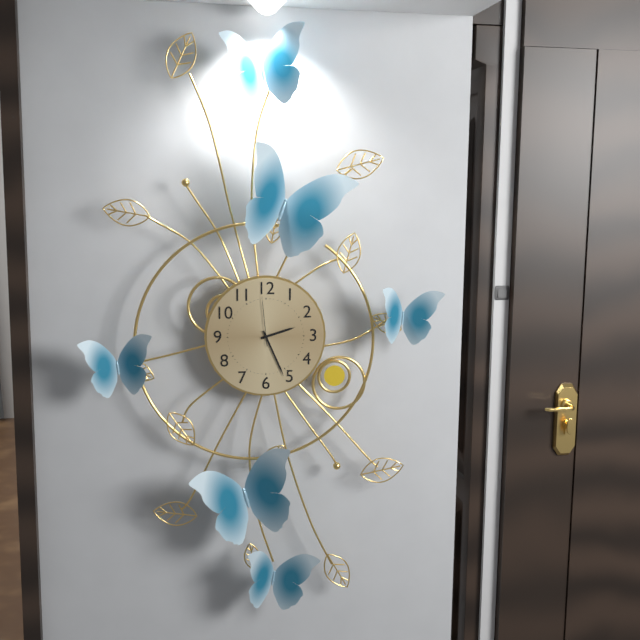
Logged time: 2:26:59
